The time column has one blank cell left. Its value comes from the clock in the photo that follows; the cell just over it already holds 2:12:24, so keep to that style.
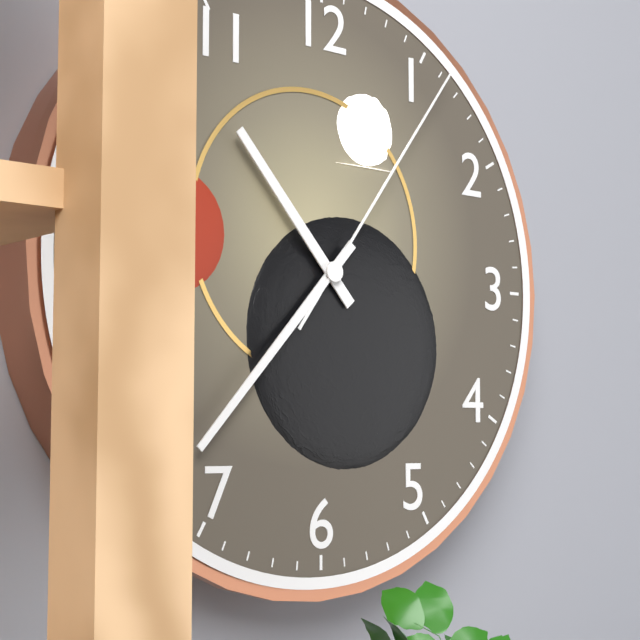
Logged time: 10:37:06
